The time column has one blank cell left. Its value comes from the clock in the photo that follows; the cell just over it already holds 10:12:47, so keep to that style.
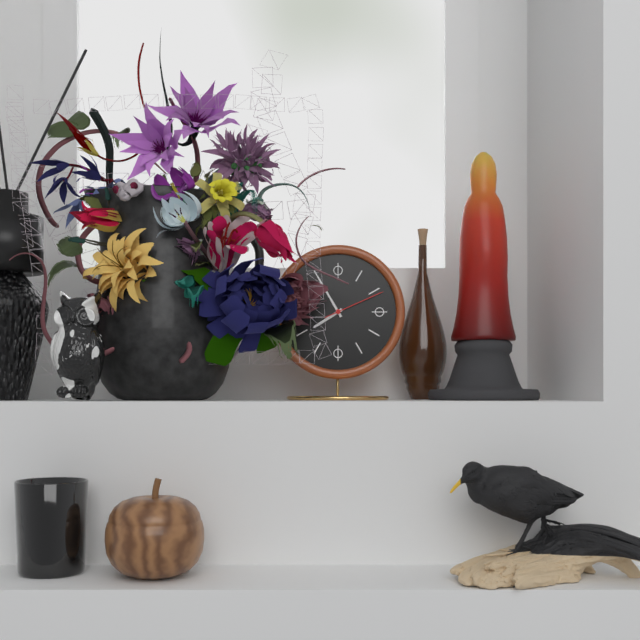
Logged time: 7:55:11
